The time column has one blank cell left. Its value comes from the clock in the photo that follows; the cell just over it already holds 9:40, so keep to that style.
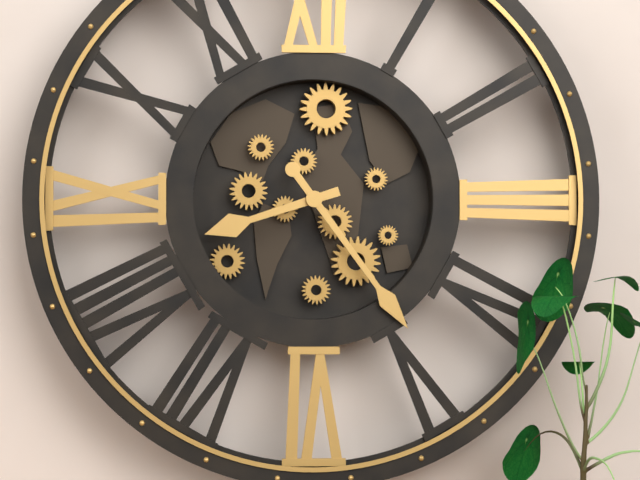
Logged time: 8:24
